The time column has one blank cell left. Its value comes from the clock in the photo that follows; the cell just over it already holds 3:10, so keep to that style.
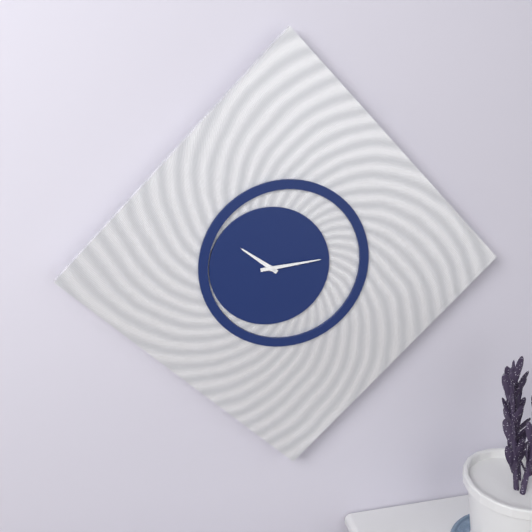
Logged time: 10:14
